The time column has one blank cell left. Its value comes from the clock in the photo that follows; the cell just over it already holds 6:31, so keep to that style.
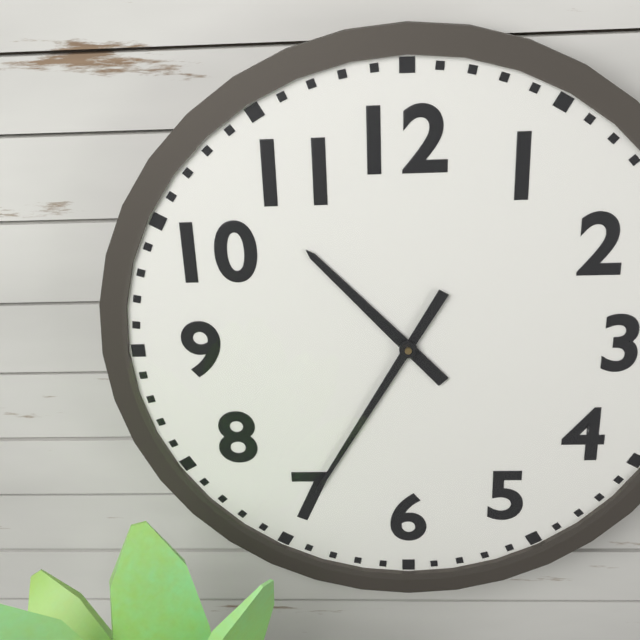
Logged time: 10:35
